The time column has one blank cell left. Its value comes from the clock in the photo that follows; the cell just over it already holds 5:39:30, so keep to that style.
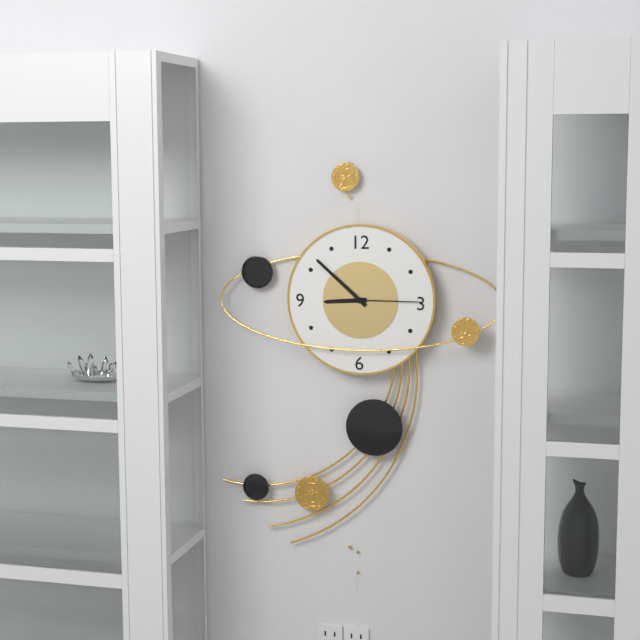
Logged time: 8:52:15
